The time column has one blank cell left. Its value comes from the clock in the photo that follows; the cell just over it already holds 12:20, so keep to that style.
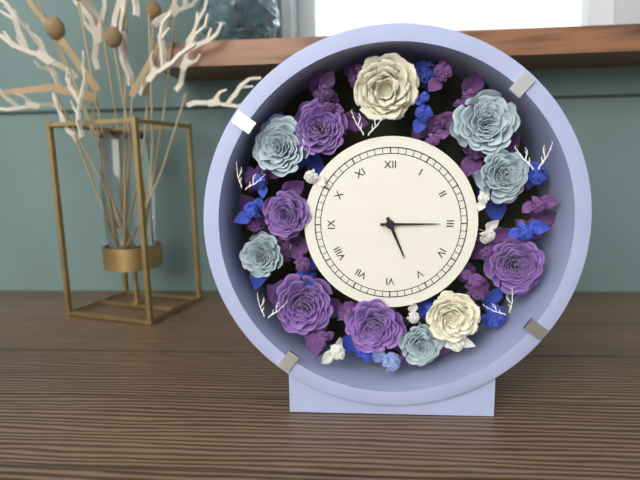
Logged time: 5:15
